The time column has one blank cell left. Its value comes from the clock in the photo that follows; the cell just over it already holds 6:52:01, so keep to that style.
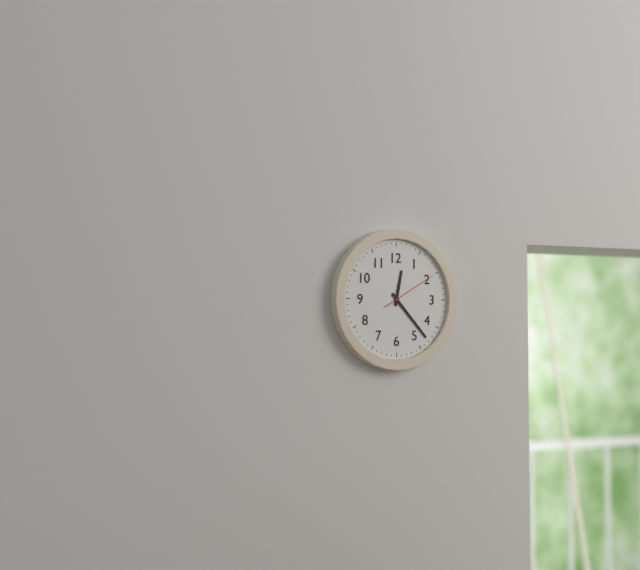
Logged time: 12:23:10
